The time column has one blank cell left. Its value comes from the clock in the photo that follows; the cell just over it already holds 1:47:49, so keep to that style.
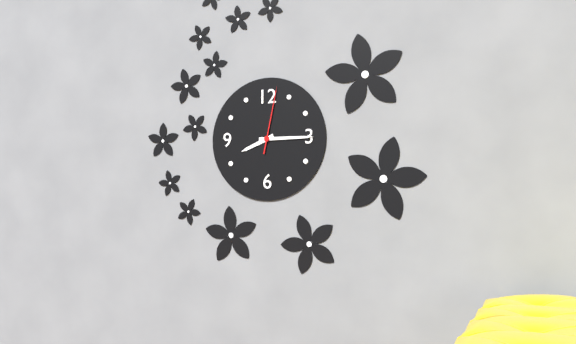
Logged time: 8:15:02
